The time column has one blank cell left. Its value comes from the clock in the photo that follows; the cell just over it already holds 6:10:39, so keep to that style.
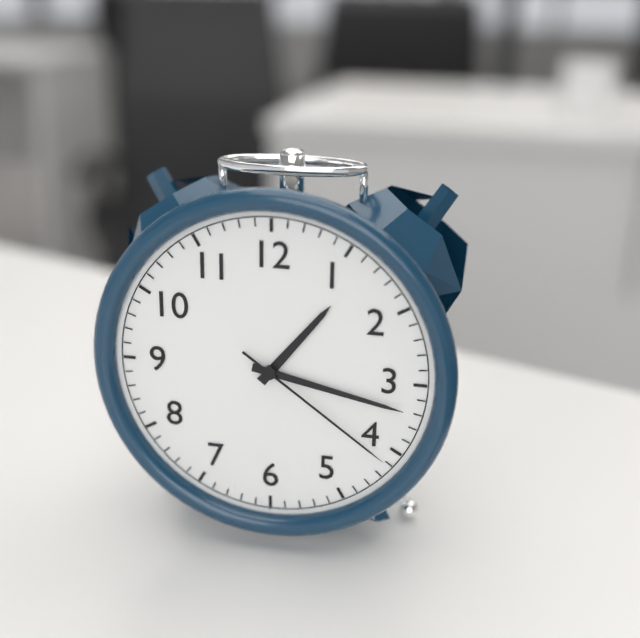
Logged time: 1:17:21
